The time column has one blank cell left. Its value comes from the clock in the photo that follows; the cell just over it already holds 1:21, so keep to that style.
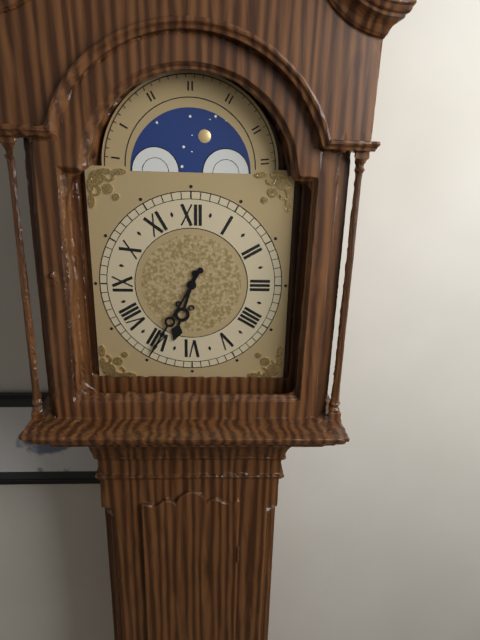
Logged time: 6:35
